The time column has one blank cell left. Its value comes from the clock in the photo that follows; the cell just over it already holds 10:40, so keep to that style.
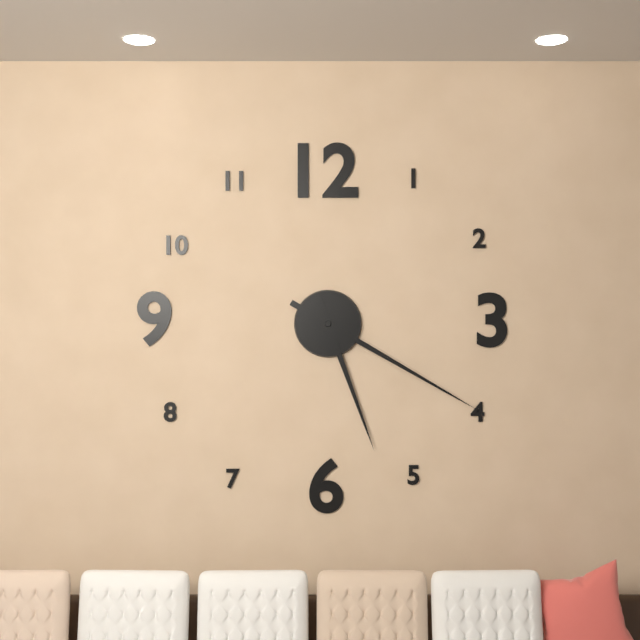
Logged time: 5:20
